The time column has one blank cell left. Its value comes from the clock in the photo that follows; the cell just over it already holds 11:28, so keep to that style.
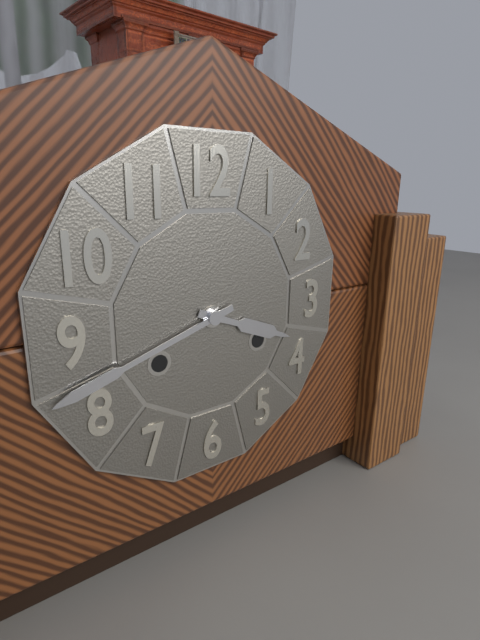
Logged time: 3:42
